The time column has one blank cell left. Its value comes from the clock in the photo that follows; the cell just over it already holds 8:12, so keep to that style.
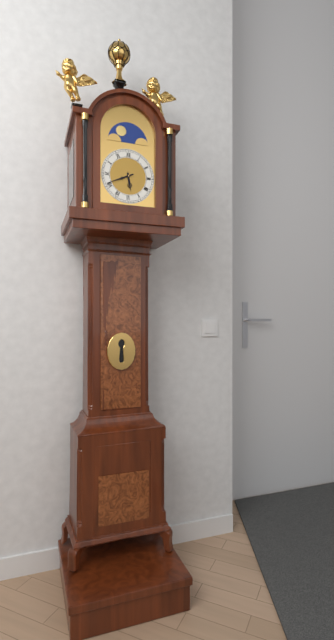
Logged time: 5:41
